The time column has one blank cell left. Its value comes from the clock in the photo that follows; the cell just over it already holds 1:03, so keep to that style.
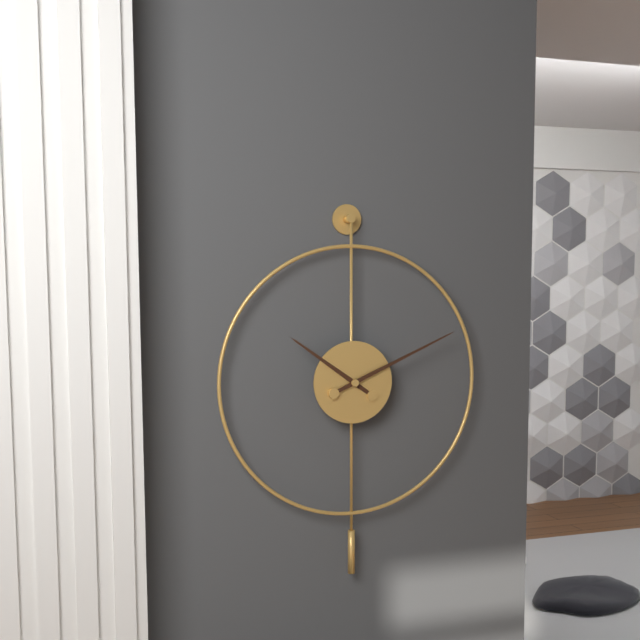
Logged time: 10:11
